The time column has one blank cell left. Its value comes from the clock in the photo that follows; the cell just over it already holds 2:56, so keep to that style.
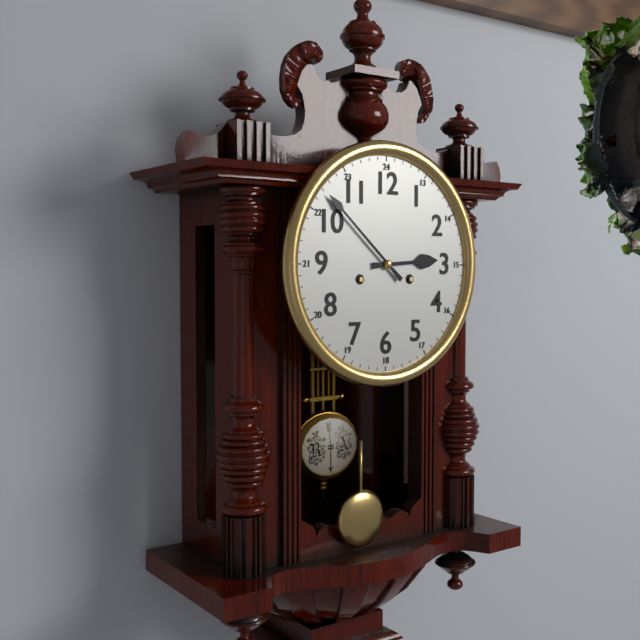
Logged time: 2:52
